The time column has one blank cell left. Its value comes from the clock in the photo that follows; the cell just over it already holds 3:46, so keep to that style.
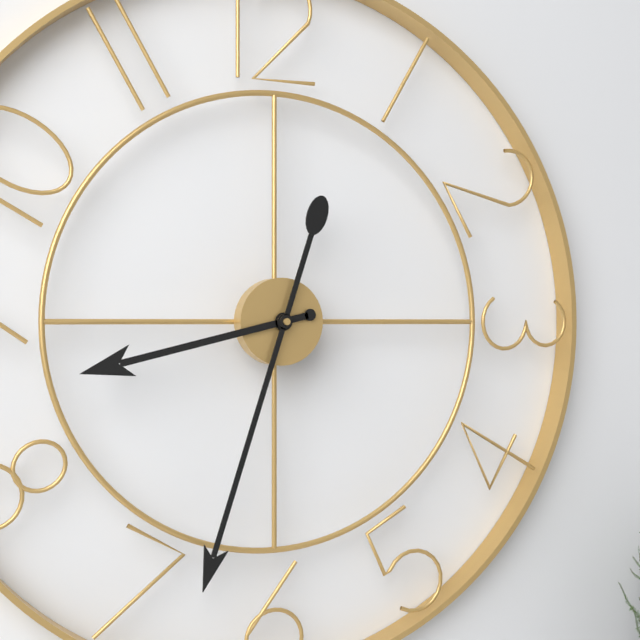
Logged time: 8:33
